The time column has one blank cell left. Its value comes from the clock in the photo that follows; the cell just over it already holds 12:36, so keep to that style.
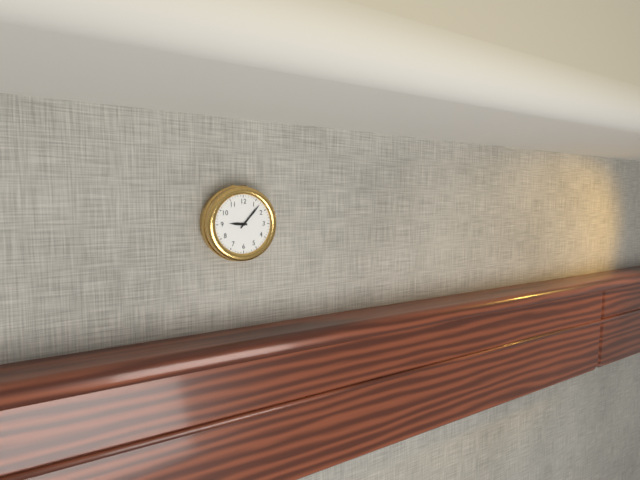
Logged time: 9:07
